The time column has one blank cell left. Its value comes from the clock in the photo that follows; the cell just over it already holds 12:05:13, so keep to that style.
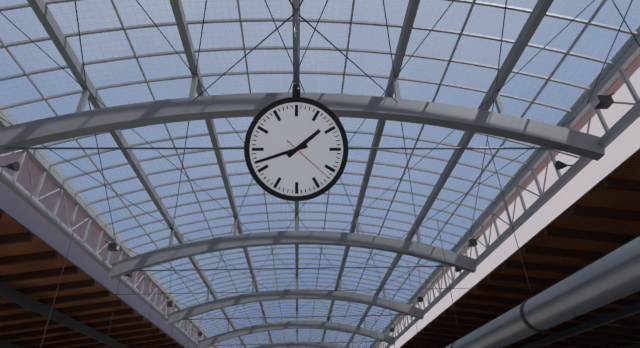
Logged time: 1:42:22
